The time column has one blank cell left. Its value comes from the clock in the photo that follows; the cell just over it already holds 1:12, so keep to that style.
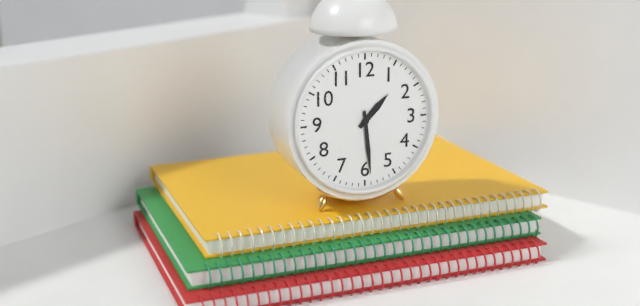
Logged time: 1:29
